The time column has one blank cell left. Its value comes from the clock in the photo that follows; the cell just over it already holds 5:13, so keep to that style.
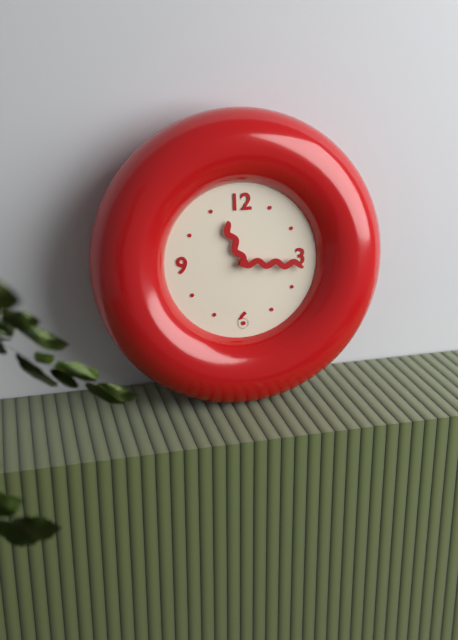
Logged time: 11:16
